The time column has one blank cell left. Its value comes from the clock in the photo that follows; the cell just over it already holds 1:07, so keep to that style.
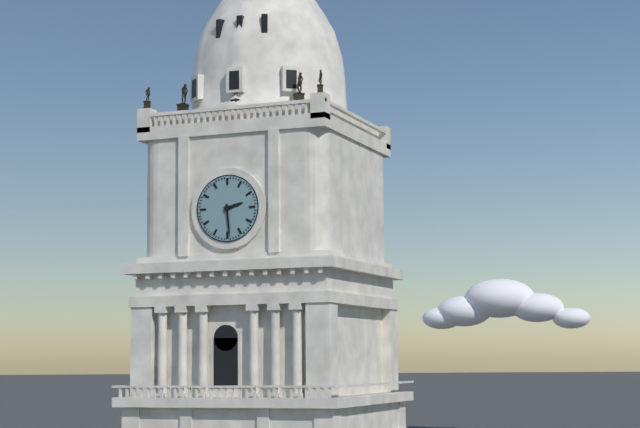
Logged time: 2:29
